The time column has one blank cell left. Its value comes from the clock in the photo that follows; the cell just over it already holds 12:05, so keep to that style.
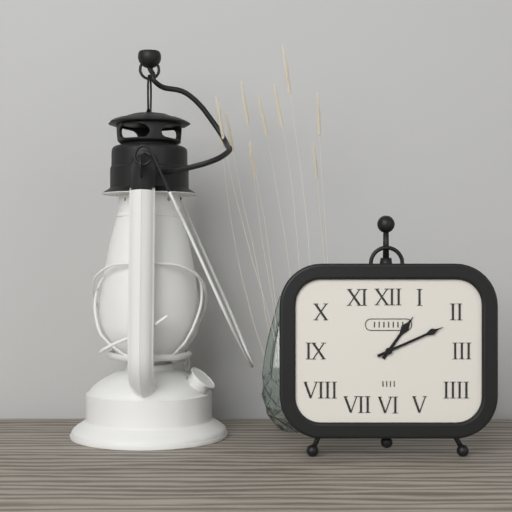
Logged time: 1:11
